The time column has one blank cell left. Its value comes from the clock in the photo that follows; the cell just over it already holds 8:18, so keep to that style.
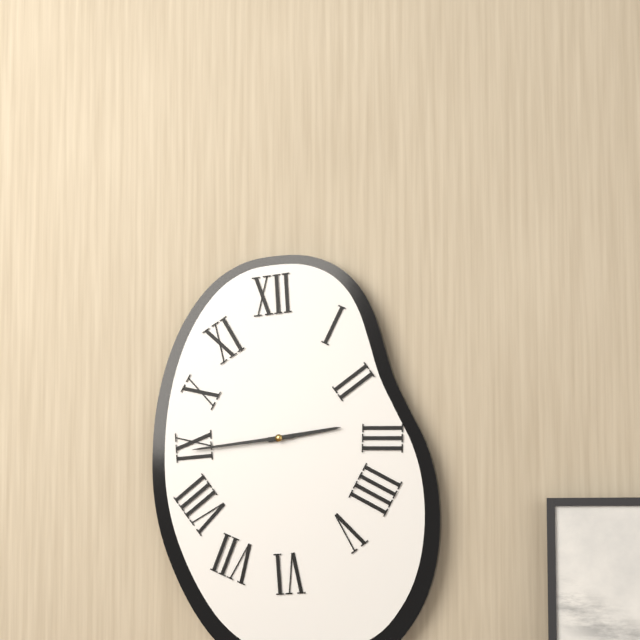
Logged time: 2:44
